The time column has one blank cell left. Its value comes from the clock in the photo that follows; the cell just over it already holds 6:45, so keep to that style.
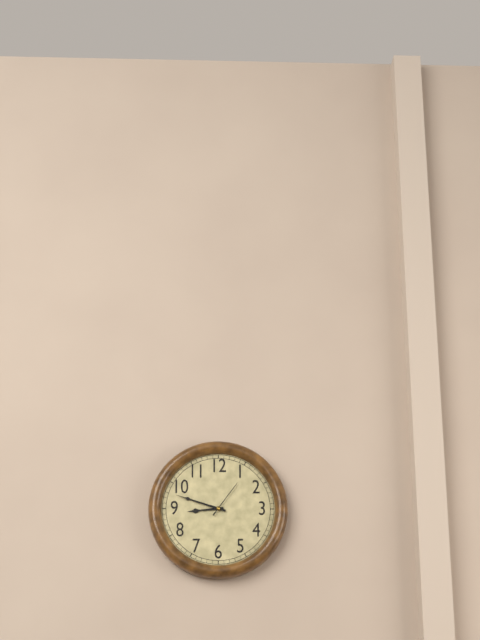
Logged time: 8:48
